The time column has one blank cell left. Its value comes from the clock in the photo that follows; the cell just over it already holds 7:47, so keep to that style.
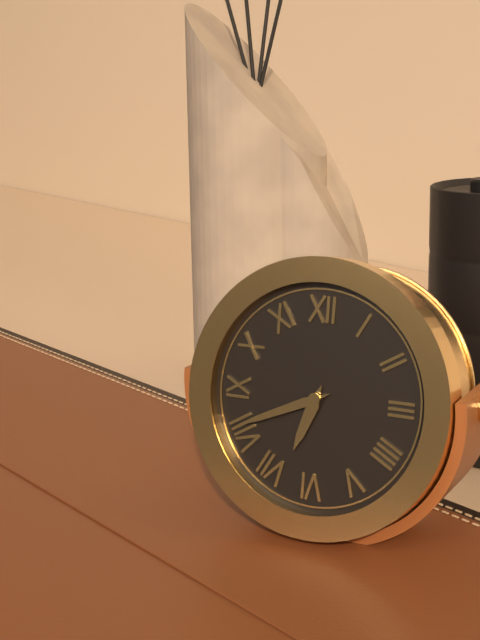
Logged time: 6:41
